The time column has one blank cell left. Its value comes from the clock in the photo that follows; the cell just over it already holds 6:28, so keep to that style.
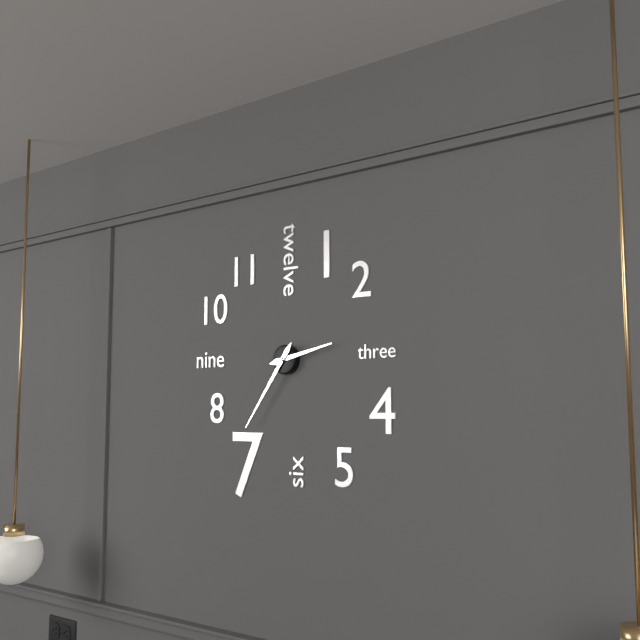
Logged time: 2:36
